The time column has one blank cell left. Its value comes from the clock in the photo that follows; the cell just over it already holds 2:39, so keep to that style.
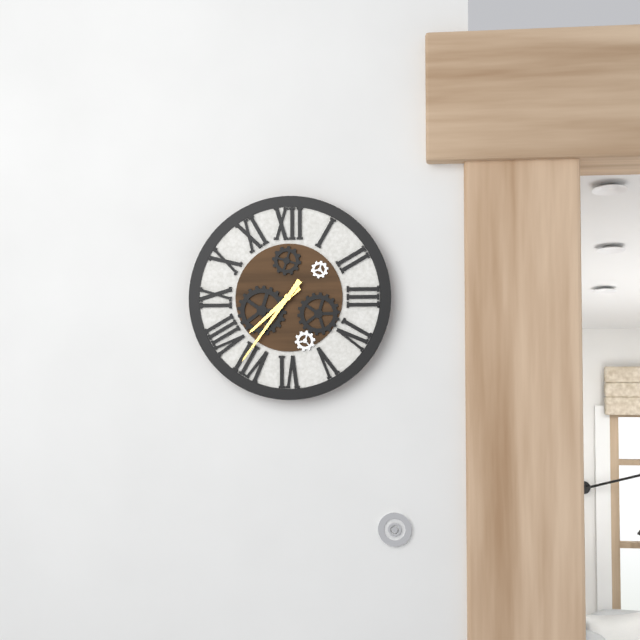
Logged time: 7:36
